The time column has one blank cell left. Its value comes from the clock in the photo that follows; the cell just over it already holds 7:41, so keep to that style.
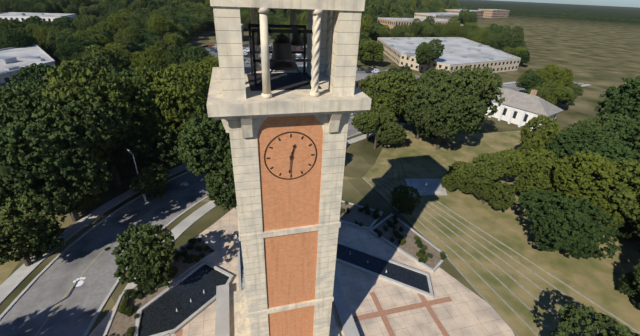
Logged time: 12:31
